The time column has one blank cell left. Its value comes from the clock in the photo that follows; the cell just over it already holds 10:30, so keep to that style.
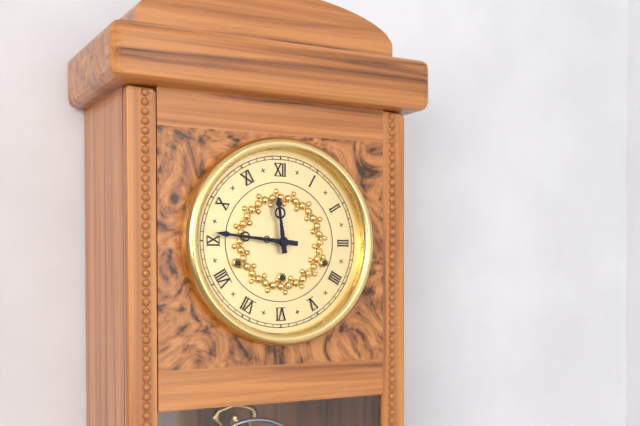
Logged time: 11:46
